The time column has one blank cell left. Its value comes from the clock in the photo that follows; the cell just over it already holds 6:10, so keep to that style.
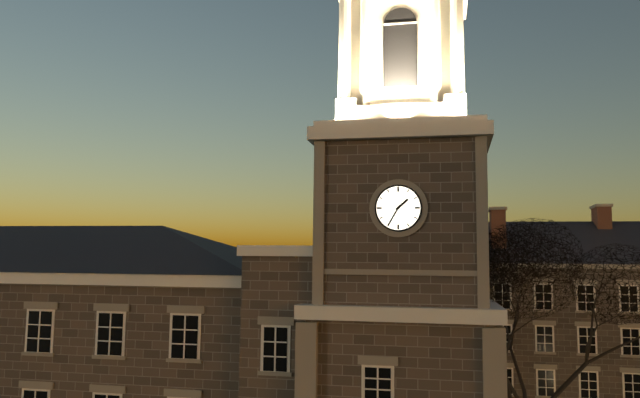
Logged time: 1:35
